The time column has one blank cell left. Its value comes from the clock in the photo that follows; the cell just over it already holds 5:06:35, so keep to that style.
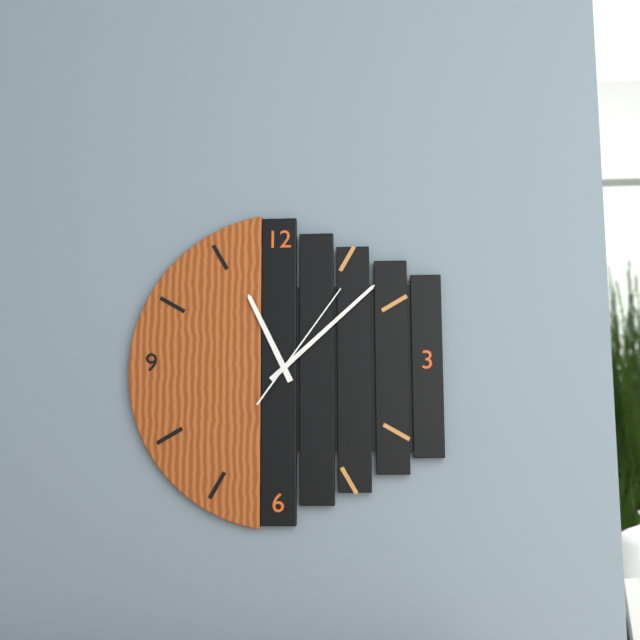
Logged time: 11:08:06
